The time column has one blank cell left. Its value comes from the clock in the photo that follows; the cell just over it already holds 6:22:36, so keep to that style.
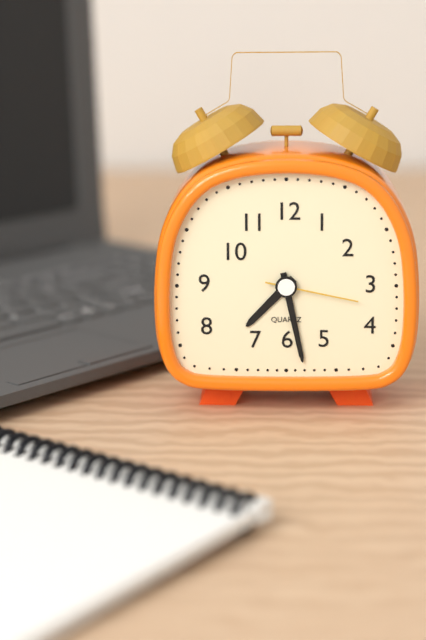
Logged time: 7:28:17
